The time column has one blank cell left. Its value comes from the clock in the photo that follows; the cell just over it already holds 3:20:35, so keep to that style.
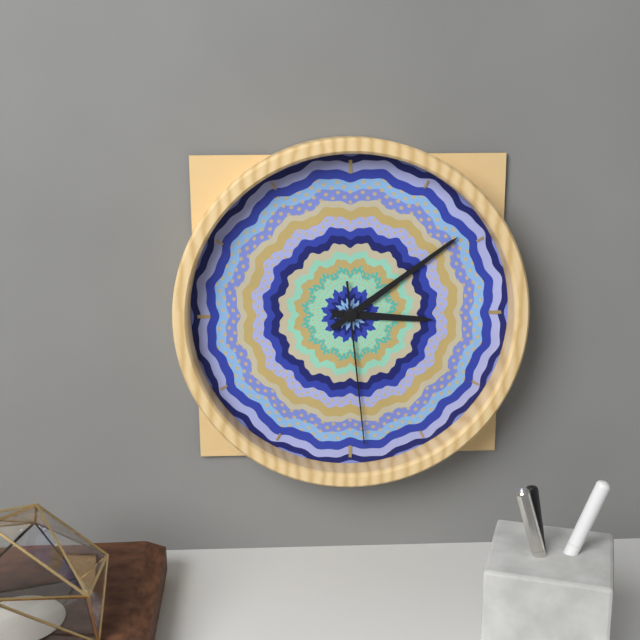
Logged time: 3:09:29
